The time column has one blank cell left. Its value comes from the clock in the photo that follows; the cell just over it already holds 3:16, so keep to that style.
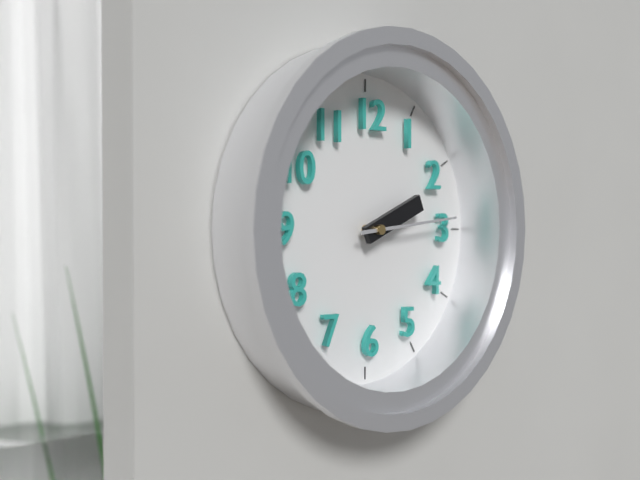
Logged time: 2:14
